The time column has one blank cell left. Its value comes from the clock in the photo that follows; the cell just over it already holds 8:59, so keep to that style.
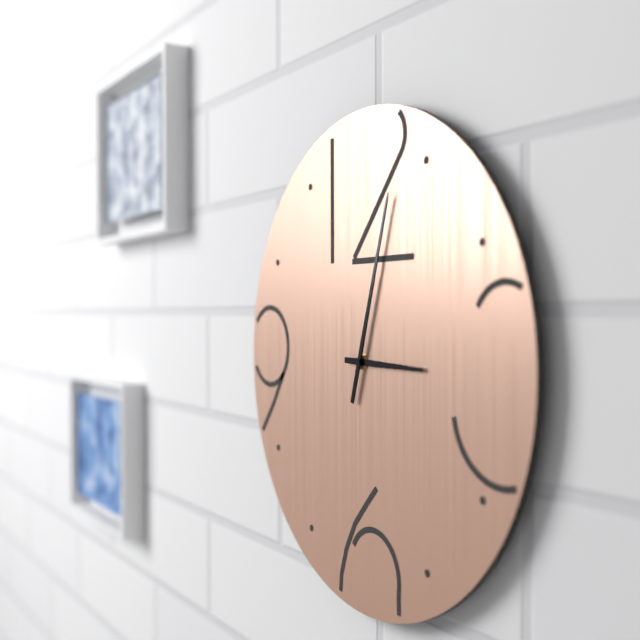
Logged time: 3:03
